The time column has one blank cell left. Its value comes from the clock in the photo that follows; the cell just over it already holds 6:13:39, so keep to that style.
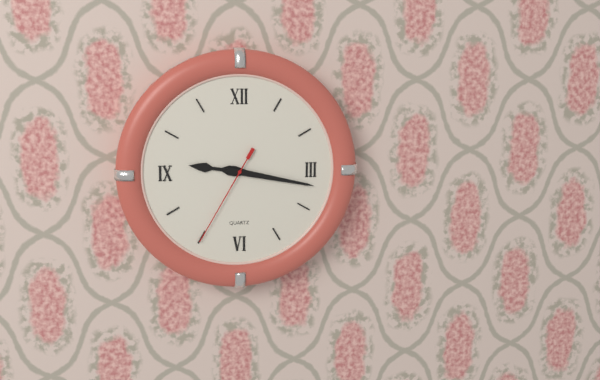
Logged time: 9:17:35
